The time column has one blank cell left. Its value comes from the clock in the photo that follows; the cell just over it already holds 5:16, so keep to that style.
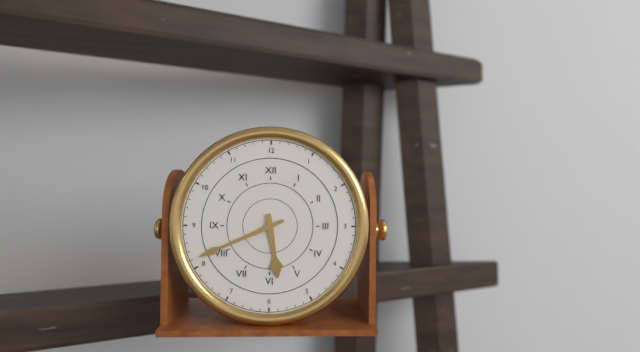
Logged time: 5:41
